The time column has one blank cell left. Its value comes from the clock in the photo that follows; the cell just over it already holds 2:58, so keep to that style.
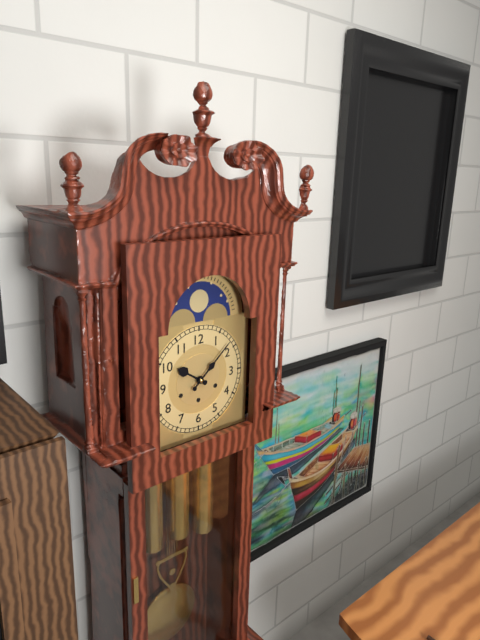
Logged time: 10:08
